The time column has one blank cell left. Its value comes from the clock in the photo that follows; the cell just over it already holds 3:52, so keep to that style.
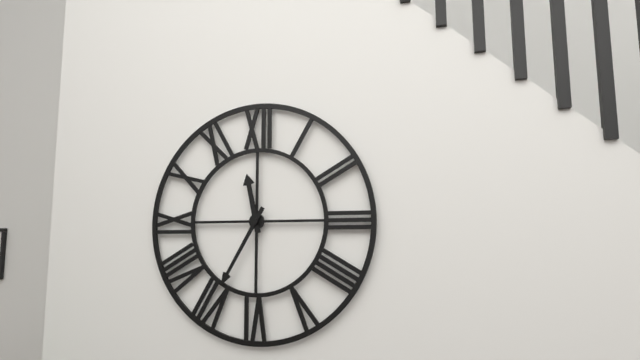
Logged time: 11:35
